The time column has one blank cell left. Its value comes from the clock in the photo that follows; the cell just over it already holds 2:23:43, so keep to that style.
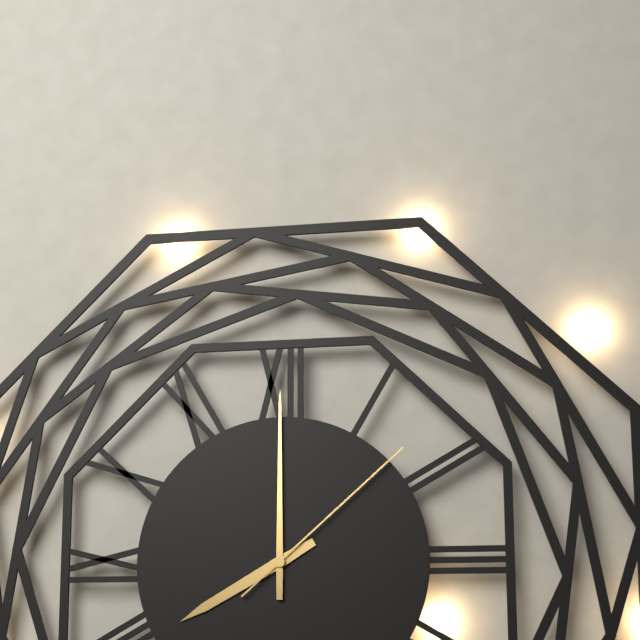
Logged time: 8:00:08
